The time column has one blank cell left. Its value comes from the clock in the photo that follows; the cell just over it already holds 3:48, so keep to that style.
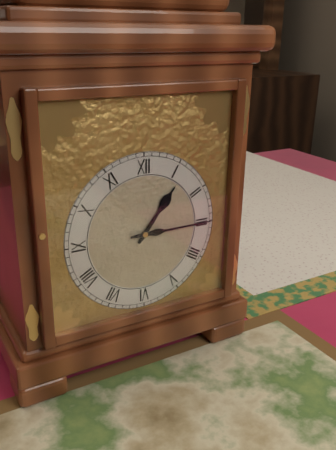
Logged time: 1:15
